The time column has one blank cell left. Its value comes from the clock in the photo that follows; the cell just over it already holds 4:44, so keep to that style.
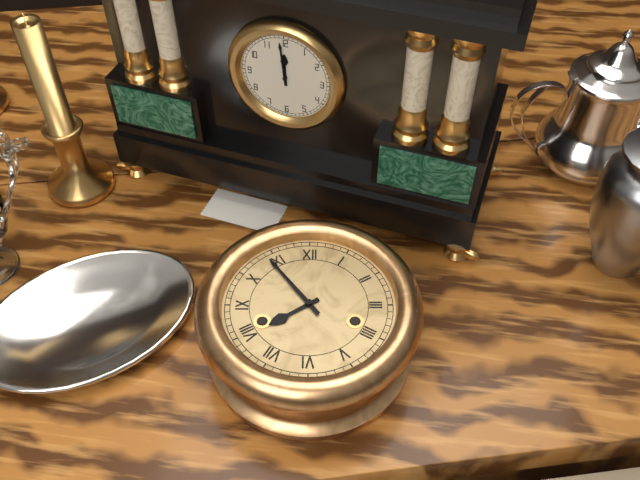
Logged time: 7:54
